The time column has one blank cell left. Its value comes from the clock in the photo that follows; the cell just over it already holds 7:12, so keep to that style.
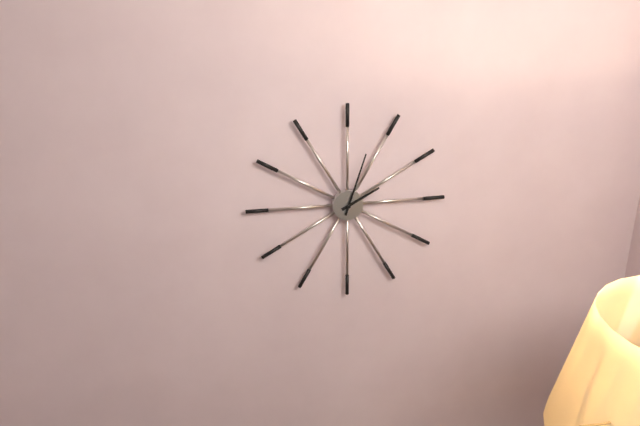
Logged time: 2:03
